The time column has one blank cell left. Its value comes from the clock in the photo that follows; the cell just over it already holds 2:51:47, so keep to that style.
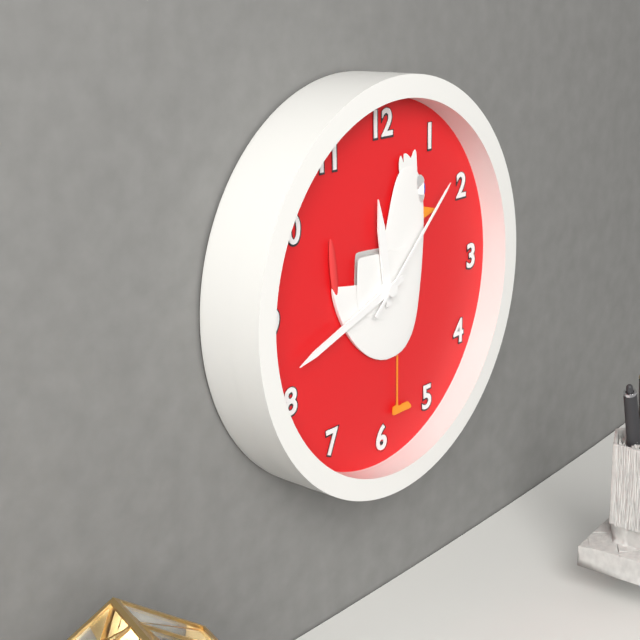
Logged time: 11:42:08
